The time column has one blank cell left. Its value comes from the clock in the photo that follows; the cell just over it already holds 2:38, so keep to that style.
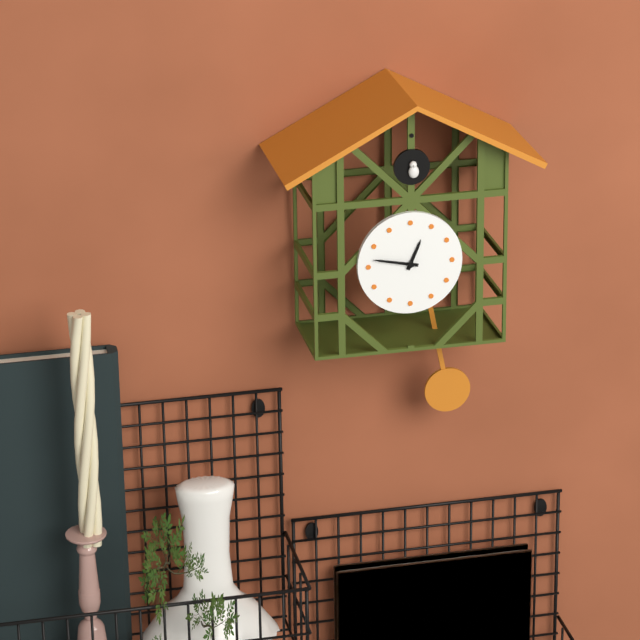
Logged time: 12:47
